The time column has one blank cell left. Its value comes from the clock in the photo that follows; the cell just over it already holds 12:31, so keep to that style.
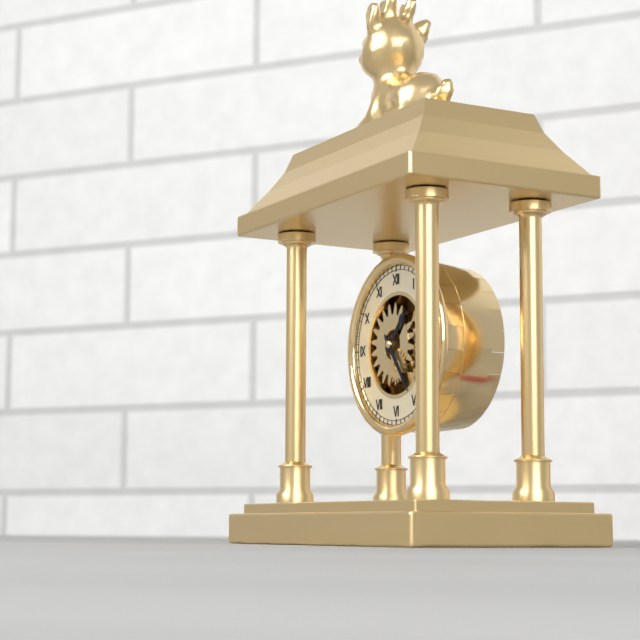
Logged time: 1:24
